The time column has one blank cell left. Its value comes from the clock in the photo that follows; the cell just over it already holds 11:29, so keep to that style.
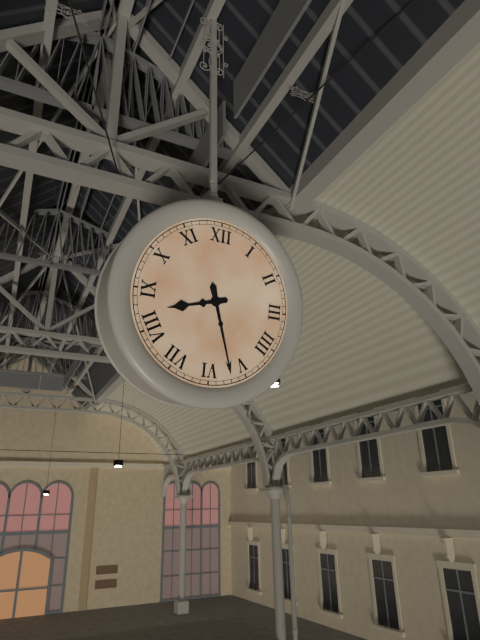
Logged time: 8:27
